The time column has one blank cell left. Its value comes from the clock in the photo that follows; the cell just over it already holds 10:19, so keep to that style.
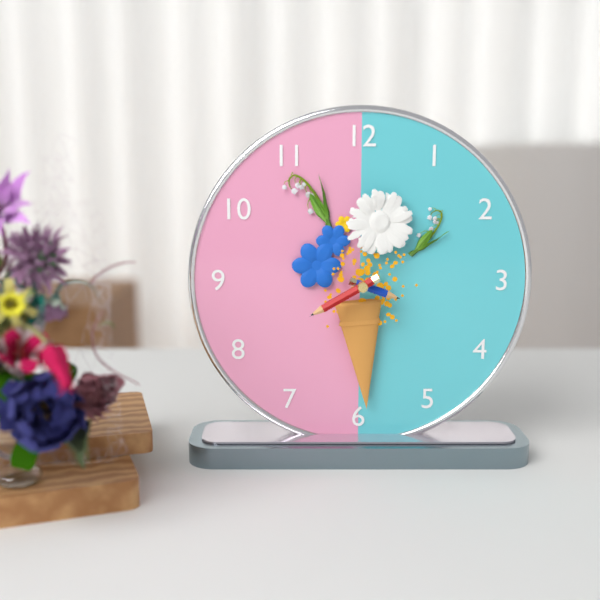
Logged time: 3:40
